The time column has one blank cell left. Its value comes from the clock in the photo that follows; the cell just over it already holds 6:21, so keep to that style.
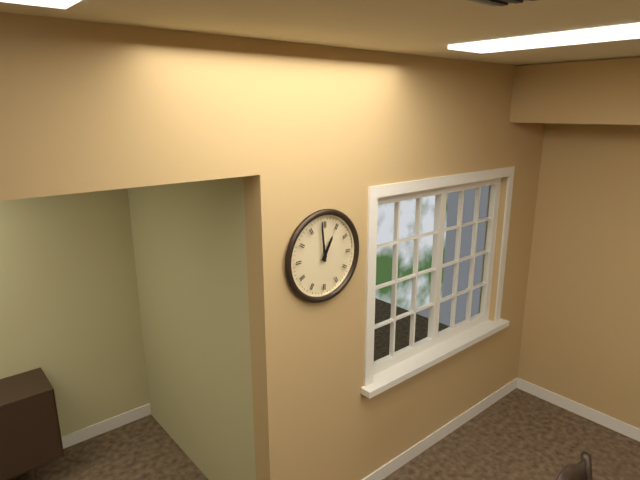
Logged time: 12:59
